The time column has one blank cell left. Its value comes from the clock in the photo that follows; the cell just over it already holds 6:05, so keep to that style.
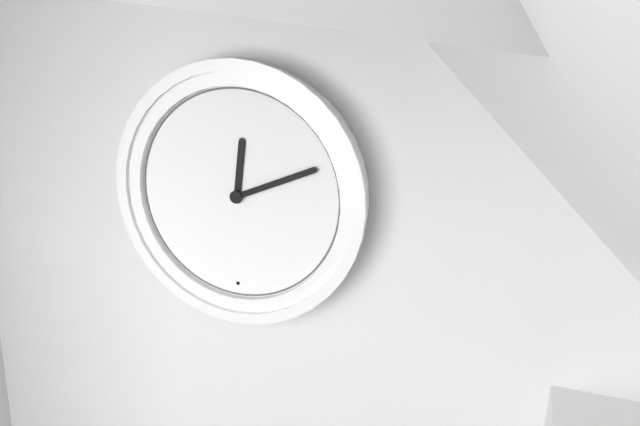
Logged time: 12:11
